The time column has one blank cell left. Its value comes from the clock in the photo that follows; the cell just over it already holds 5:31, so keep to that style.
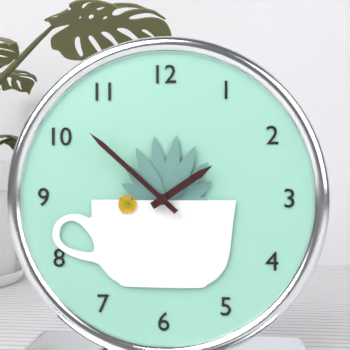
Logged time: 1:52
